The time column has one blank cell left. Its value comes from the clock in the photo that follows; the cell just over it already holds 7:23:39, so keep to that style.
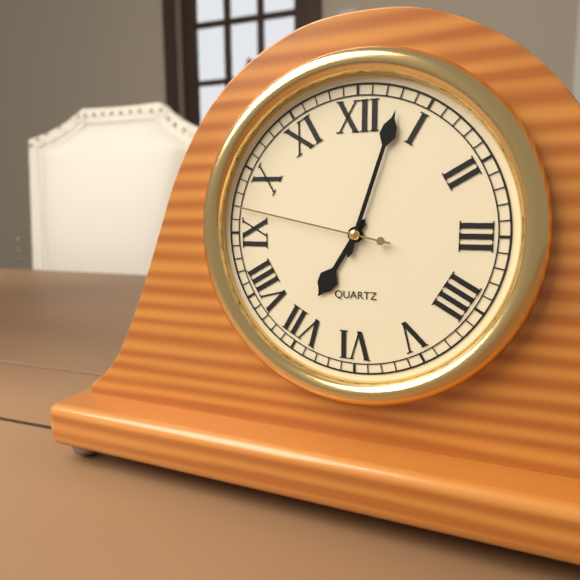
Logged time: 7:03:47
